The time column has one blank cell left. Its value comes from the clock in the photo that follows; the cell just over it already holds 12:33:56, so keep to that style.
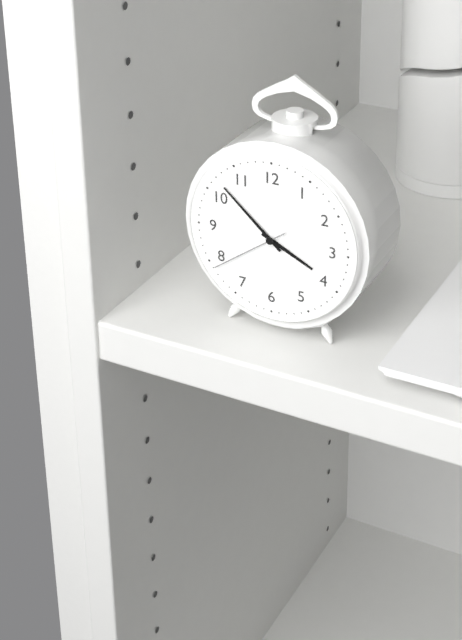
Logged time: 3:52:39
